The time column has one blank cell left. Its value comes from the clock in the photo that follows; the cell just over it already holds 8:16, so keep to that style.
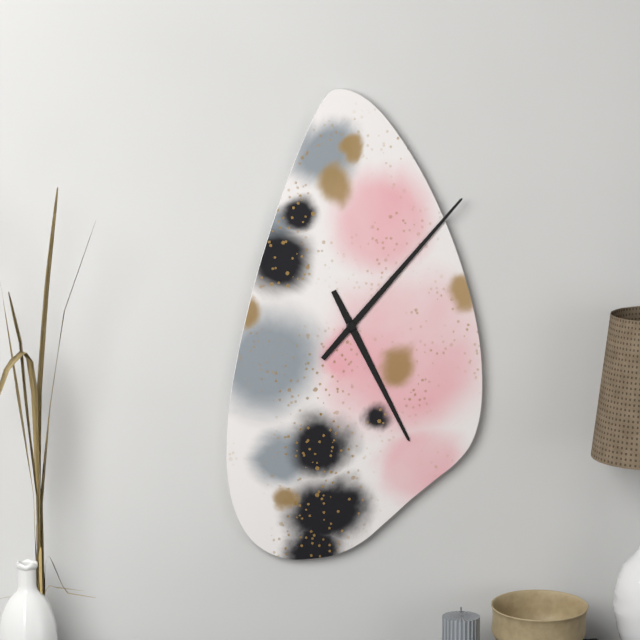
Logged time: 5:07
